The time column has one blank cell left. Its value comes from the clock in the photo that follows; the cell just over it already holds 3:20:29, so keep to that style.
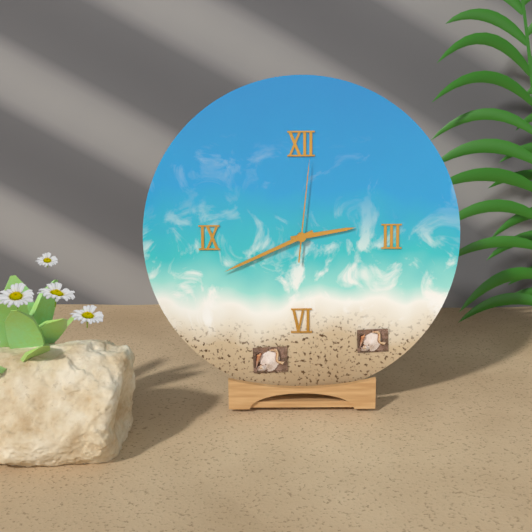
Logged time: 2:41:01
